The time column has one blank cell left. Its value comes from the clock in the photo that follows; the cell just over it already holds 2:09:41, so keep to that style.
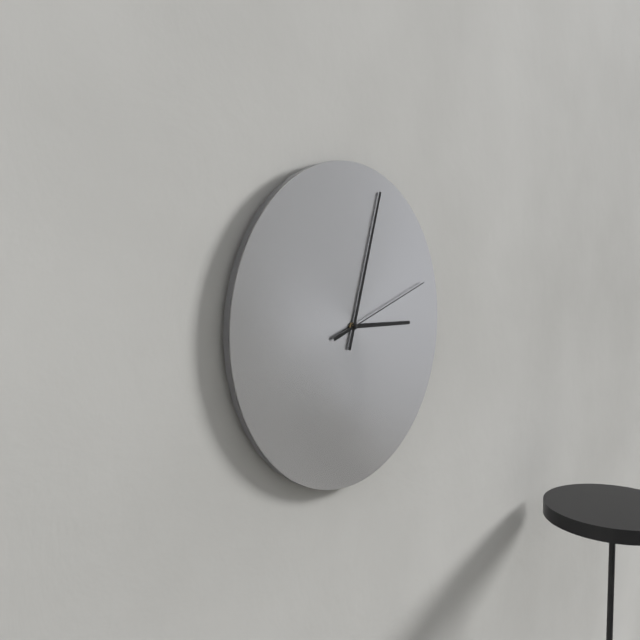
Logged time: 3:03:12
